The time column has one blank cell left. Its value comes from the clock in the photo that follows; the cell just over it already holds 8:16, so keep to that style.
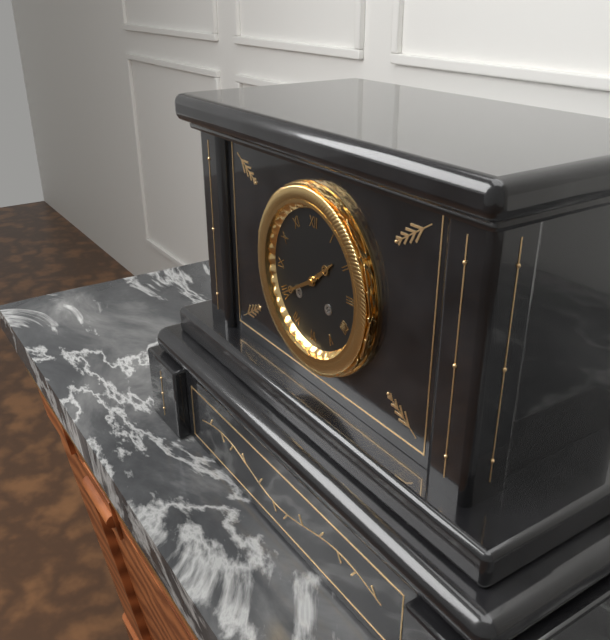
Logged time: 1:40
